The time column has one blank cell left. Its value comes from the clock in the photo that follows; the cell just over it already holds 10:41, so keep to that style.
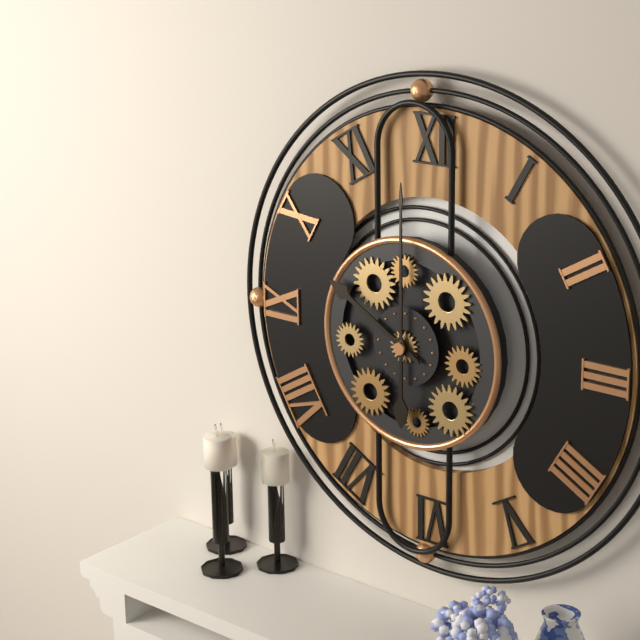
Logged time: 10:00
